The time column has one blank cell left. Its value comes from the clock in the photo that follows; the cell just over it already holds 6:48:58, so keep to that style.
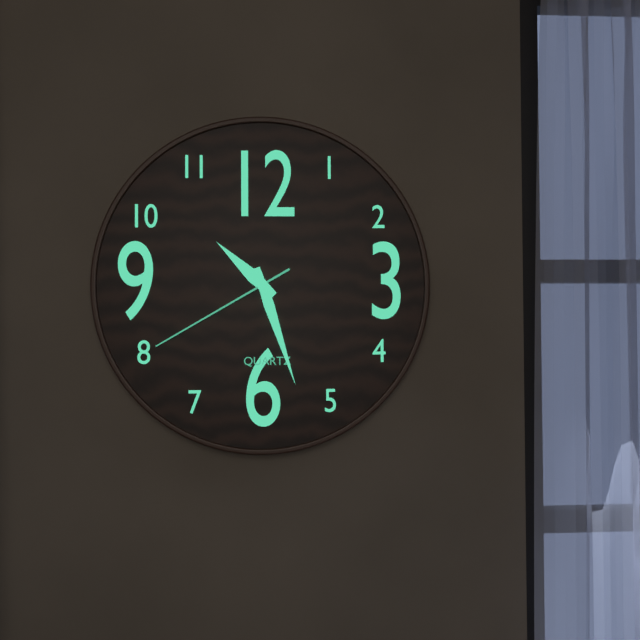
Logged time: 10:27:40
